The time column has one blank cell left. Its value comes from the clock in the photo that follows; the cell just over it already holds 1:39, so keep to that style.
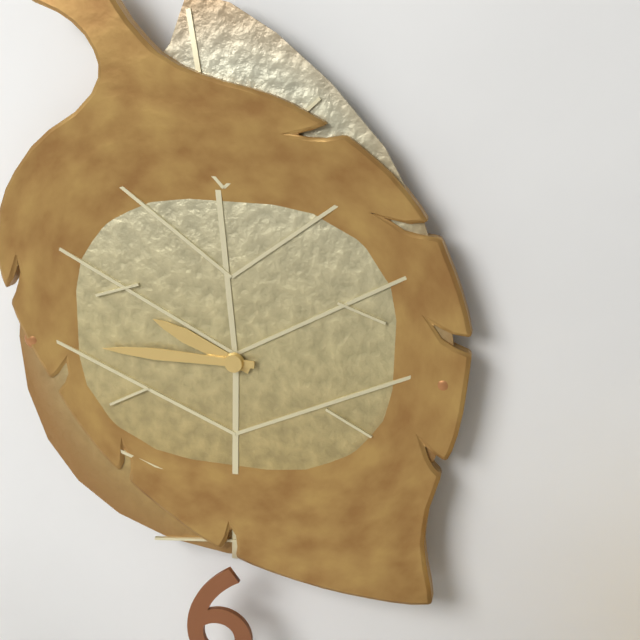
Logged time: 9:45
